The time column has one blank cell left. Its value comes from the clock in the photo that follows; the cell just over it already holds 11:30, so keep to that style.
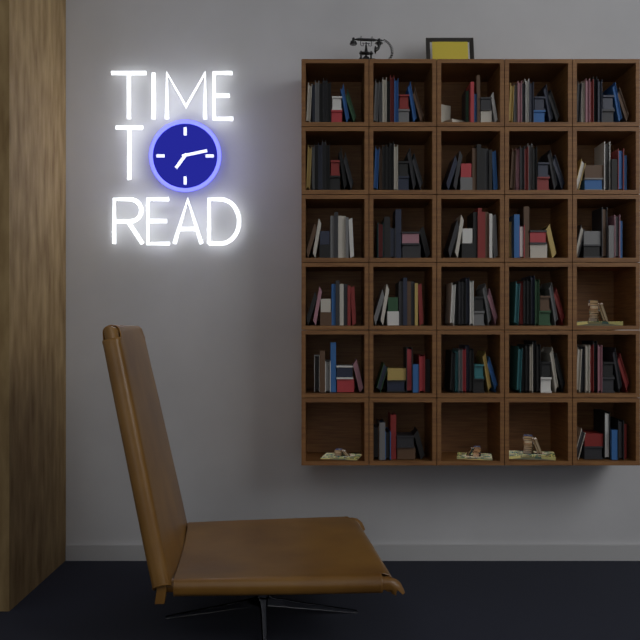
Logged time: 7:13
